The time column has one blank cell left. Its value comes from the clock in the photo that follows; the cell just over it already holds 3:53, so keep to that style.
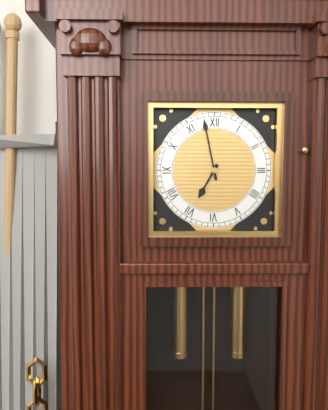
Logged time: 6:58
